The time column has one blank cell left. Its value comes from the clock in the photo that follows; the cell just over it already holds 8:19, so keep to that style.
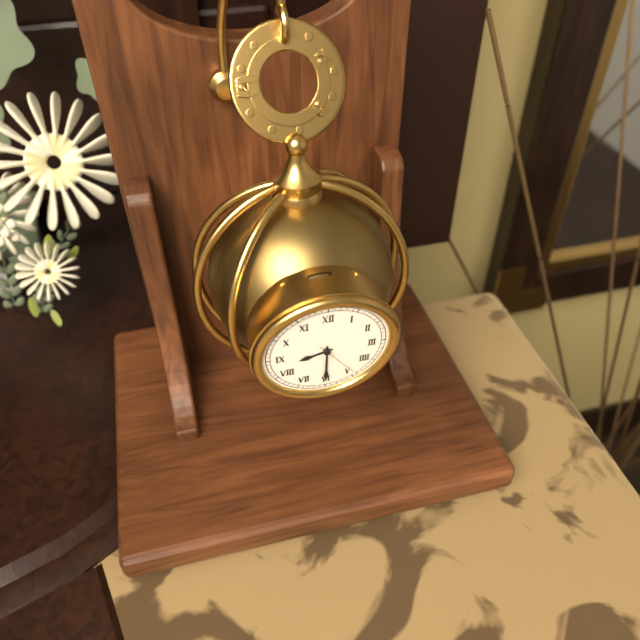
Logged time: 8:30
